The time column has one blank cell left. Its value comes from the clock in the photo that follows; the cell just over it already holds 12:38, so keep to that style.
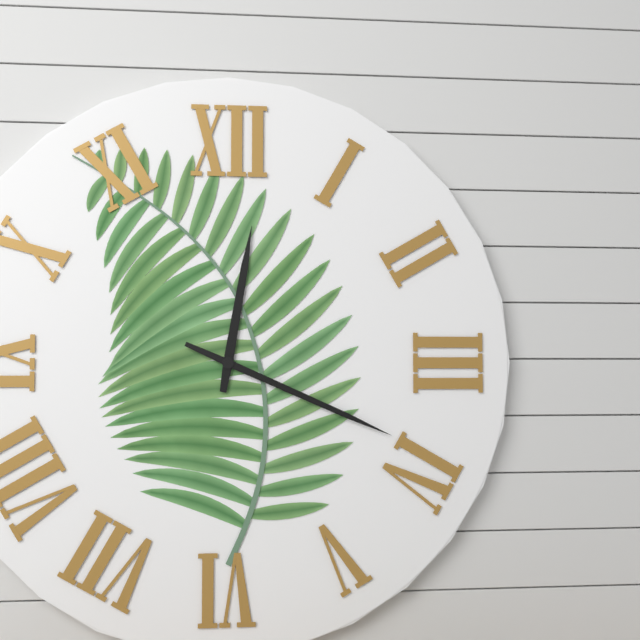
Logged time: 12:19
